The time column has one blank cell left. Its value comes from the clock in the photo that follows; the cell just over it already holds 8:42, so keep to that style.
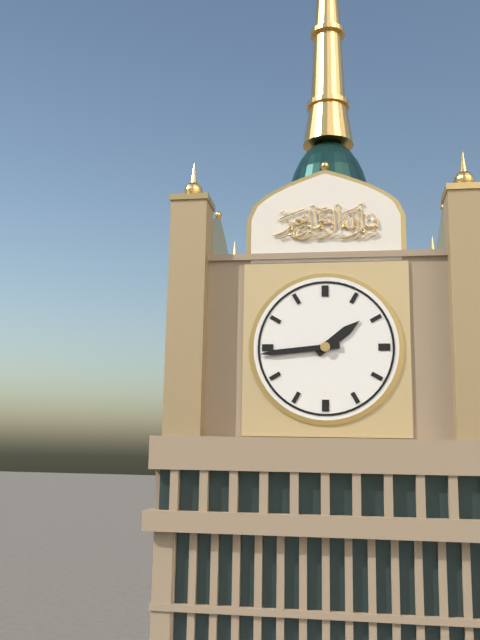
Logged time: 1:44
